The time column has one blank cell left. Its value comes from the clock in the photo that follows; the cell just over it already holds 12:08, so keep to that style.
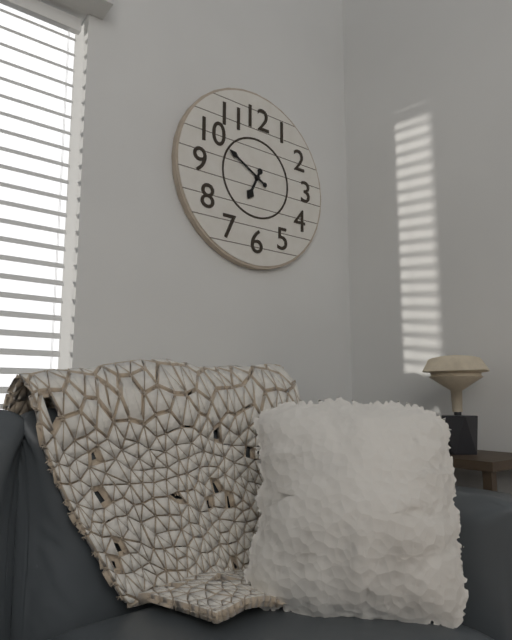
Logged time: 6:50
